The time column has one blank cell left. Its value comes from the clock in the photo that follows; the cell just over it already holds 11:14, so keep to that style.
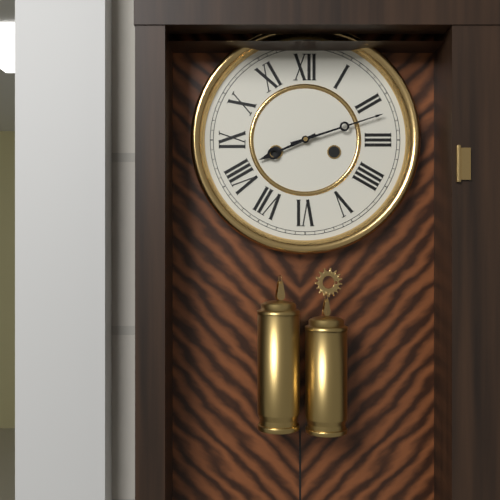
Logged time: 8:12
